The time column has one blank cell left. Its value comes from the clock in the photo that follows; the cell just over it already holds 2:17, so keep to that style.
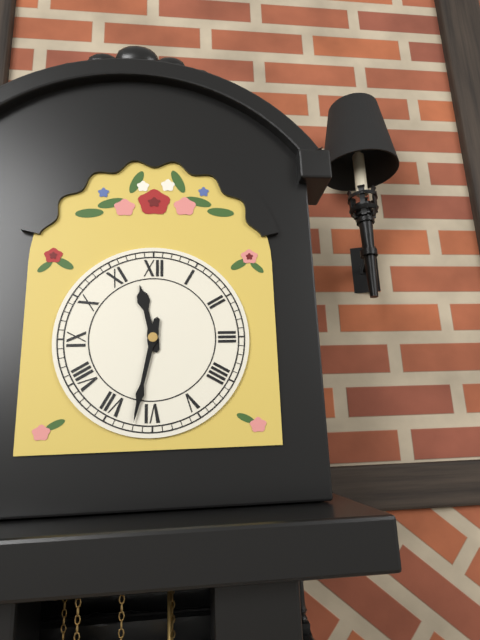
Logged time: 11:32
